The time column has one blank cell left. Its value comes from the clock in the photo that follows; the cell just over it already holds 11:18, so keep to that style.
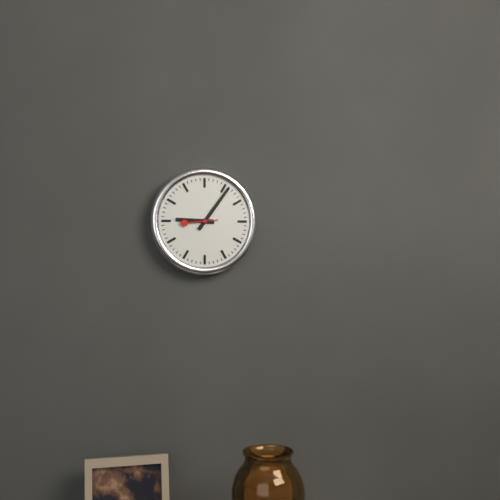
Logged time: 9:06
